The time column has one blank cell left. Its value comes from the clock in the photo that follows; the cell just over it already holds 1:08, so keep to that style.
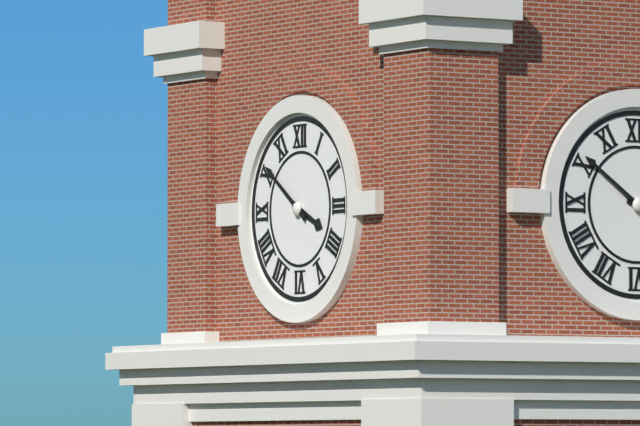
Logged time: 3:51
